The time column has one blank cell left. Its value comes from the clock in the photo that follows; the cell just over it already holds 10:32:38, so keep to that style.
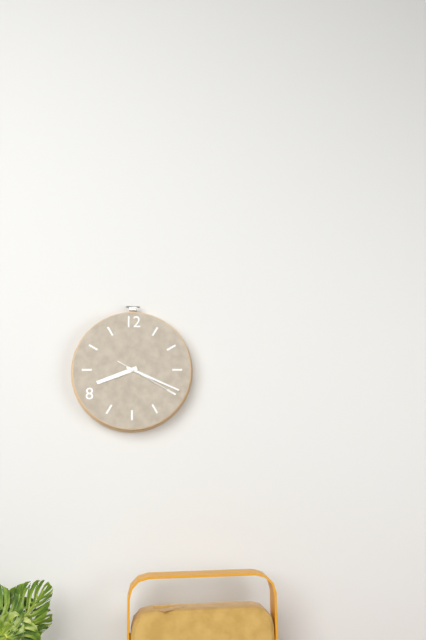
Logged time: 8:19:20
